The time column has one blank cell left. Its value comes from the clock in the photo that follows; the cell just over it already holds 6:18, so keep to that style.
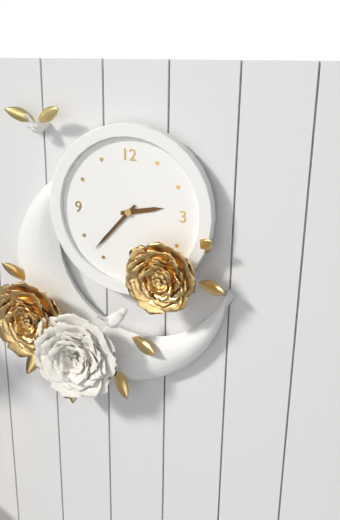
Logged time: 2:37
